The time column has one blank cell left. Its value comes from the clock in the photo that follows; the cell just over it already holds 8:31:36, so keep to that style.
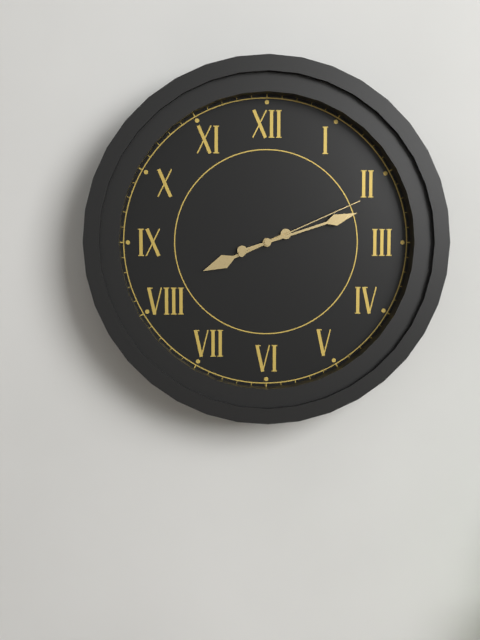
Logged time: 8:12:11
